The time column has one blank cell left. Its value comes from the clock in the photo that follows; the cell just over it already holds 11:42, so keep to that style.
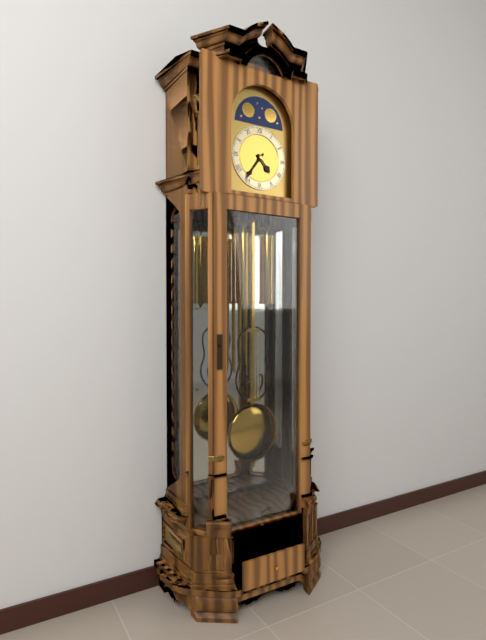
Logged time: 4:36
